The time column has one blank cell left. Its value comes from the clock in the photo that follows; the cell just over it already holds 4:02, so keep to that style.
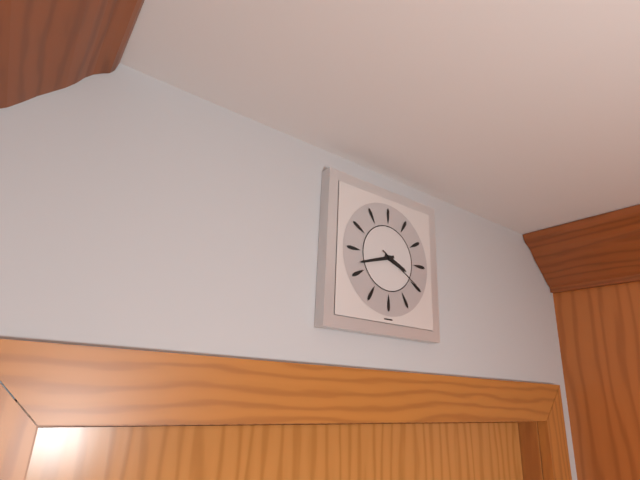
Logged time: 3:42
